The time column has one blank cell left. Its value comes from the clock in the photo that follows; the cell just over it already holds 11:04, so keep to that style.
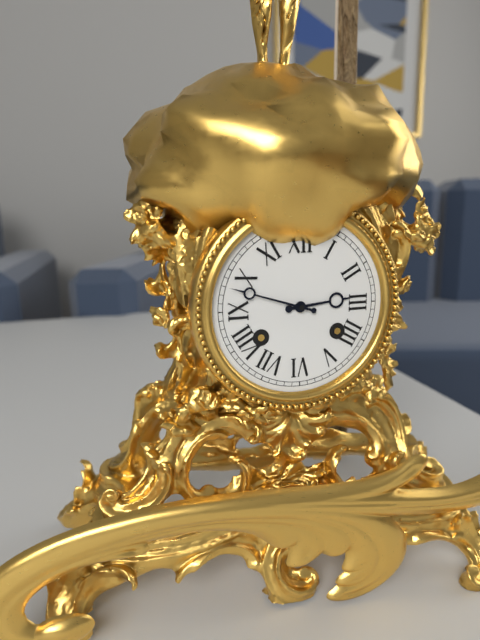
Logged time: 2:48
